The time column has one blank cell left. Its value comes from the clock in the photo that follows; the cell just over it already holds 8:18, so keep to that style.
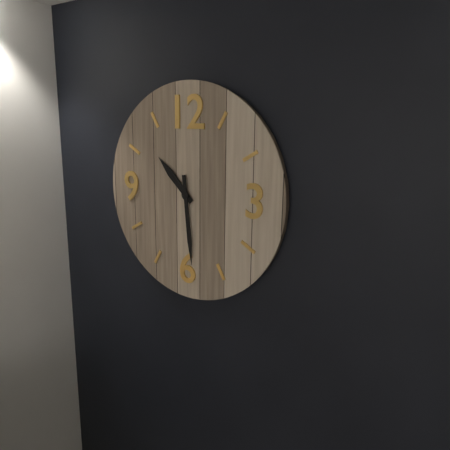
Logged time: 10:29
